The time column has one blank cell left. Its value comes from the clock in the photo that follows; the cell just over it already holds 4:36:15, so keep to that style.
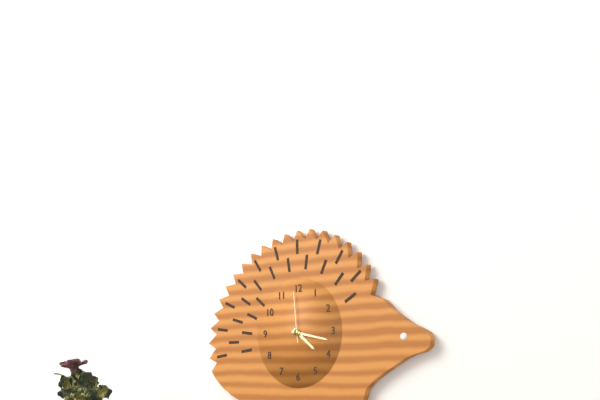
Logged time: 4:17:59
